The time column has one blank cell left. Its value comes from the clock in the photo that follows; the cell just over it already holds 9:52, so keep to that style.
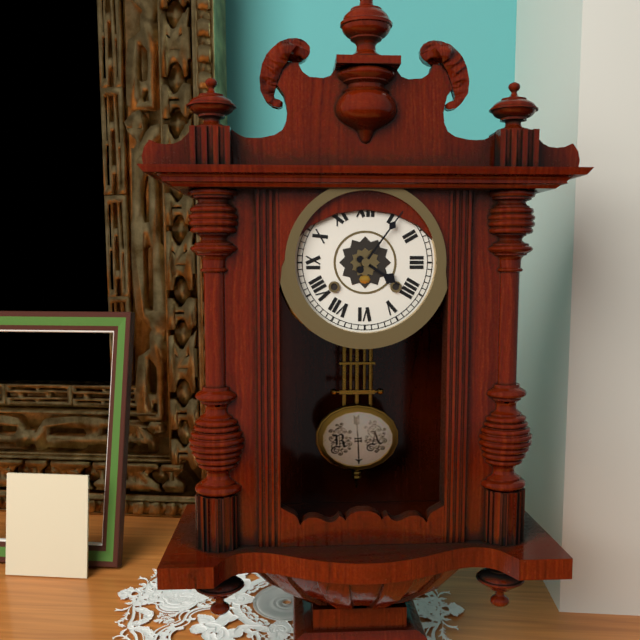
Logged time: 4:06
